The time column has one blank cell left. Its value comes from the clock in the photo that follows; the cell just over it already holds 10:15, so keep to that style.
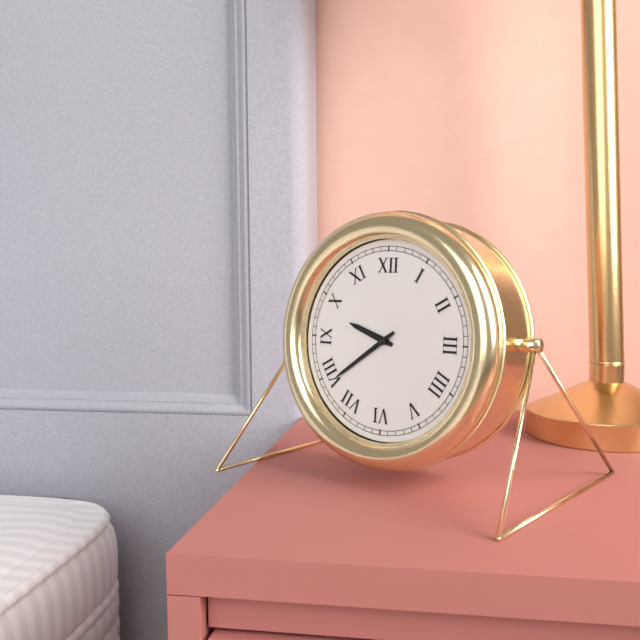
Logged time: 9:39
